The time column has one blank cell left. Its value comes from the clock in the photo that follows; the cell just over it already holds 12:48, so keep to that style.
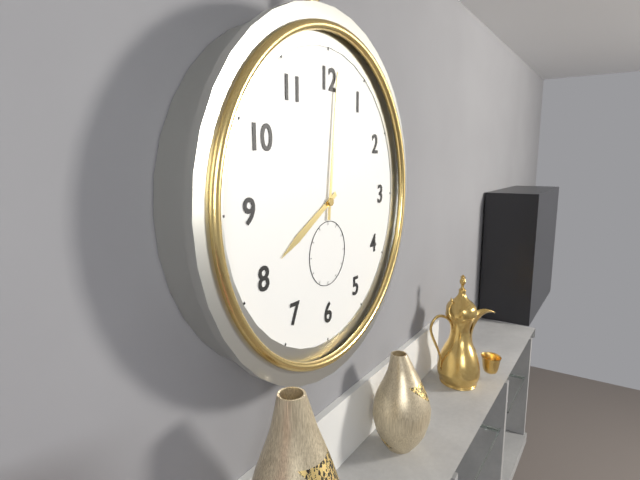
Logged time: 8:01
